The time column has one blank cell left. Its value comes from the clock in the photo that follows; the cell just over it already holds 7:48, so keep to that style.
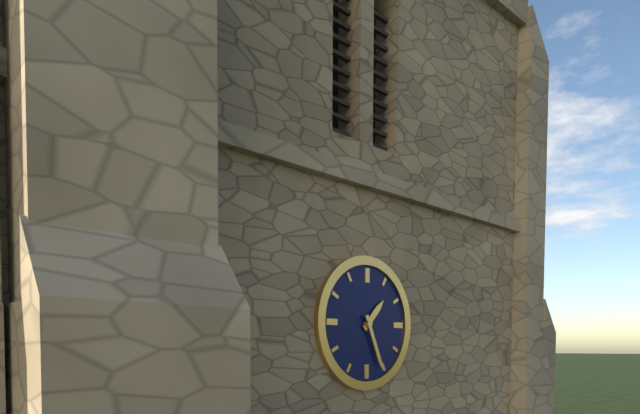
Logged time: 1:26
